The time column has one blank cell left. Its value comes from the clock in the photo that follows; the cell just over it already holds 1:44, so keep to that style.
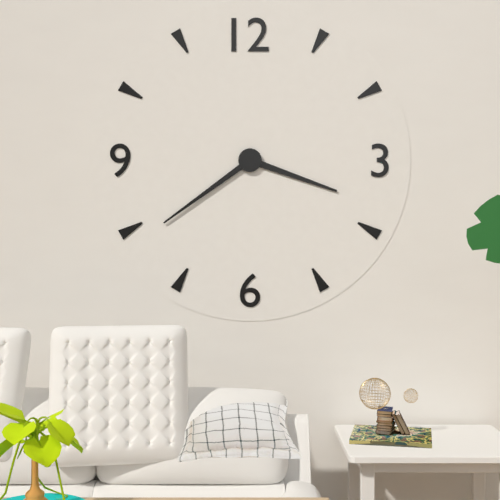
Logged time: 3:39
